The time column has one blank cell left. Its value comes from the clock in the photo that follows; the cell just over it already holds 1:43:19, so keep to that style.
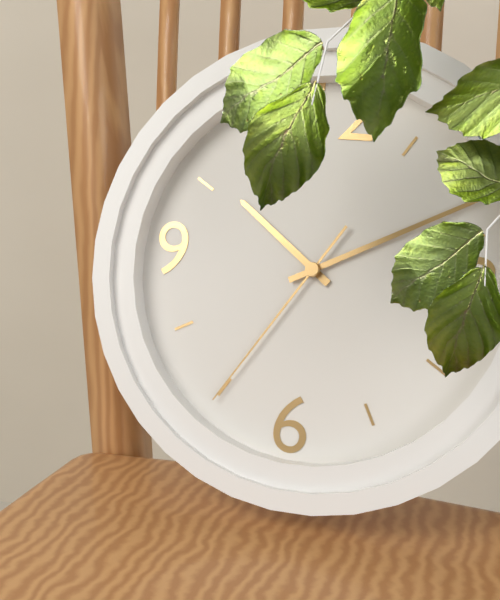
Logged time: 10:10:35
